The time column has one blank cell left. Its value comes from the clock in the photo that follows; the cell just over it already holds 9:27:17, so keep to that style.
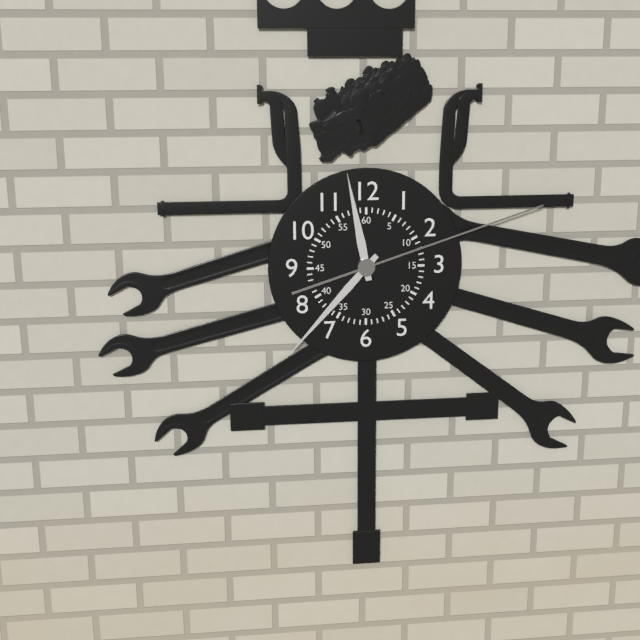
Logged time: 11:37:12
